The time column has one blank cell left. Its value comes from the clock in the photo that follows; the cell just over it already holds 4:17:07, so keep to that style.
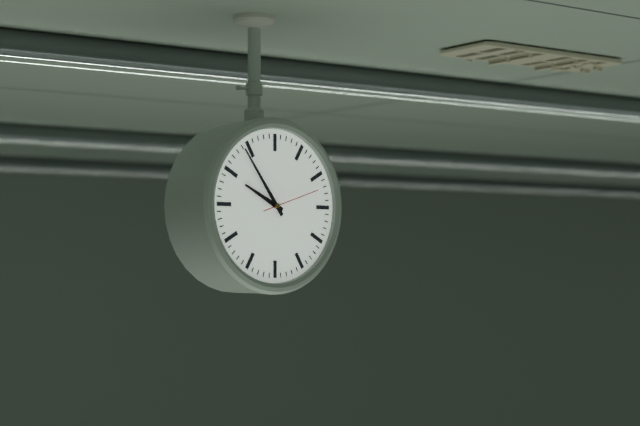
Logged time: 9:54:12
